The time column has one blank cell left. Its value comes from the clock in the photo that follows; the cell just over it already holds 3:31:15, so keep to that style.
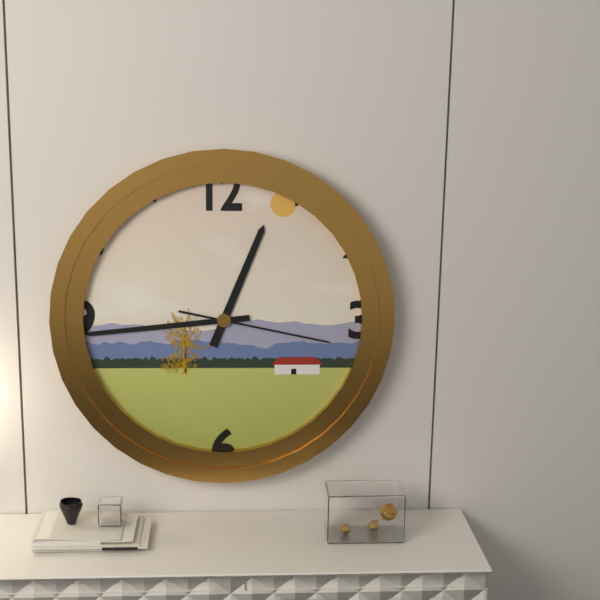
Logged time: 12:44:17
